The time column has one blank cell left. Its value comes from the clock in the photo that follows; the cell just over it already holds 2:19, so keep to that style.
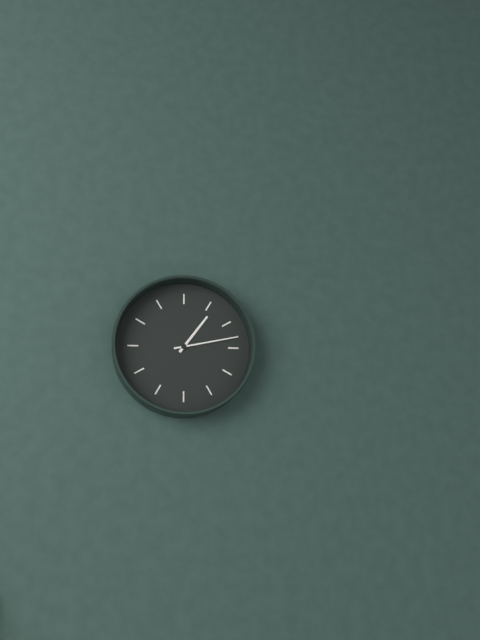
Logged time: 1:13
